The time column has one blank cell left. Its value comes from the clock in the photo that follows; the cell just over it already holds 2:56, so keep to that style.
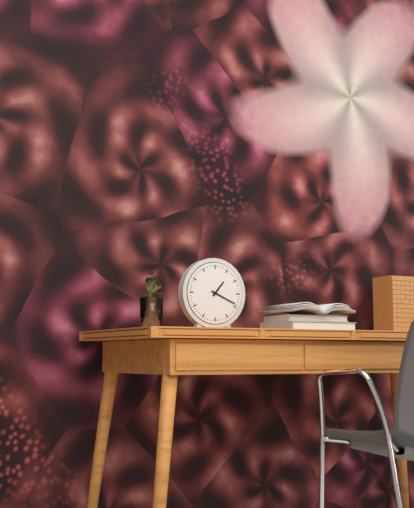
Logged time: 1:19
